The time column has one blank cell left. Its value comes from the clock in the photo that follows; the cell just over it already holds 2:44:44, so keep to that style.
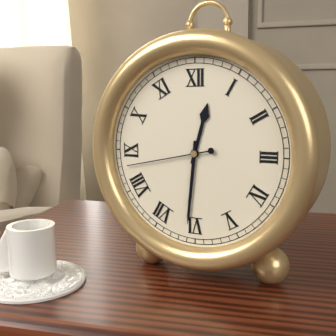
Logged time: 12:31:43
